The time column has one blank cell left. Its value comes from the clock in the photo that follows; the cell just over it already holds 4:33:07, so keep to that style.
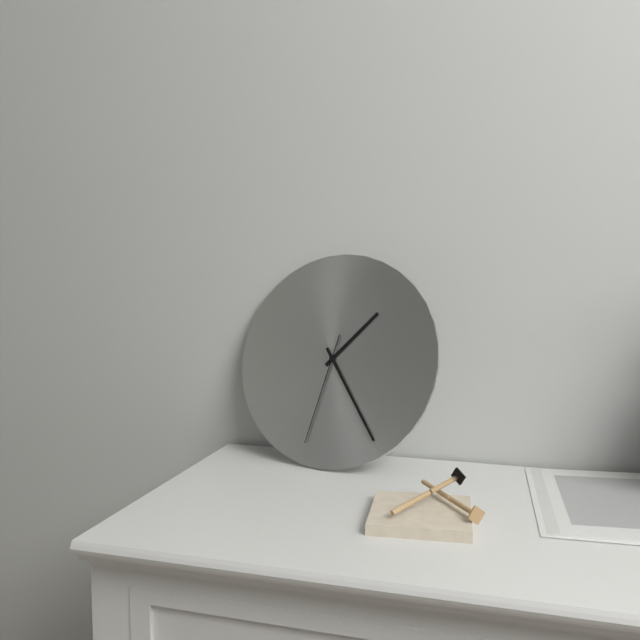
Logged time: 1:24:32
